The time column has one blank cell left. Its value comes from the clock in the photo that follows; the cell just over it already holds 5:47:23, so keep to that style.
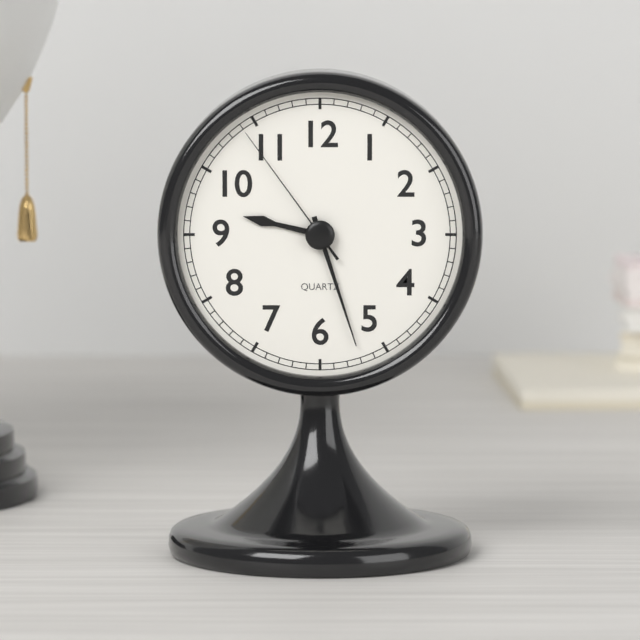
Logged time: 9:27:54
